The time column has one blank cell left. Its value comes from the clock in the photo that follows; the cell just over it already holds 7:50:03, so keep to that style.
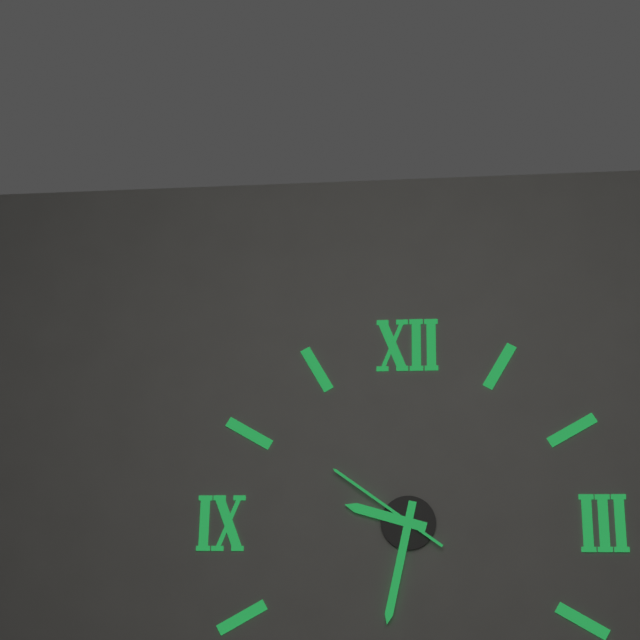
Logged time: 9:32:51
